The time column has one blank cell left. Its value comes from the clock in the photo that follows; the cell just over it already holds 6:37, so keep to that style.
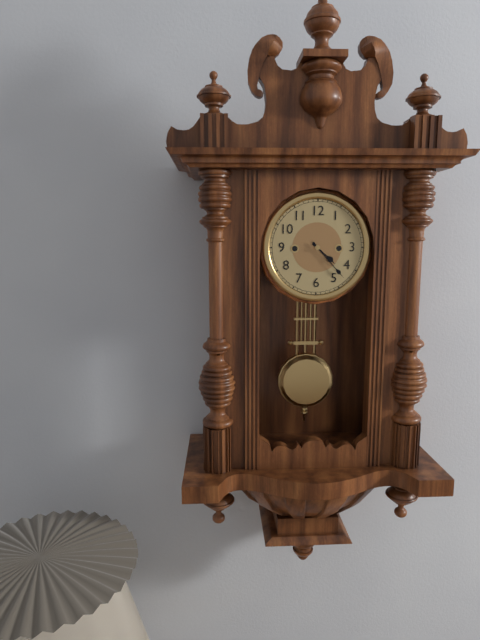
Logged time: 4:23
